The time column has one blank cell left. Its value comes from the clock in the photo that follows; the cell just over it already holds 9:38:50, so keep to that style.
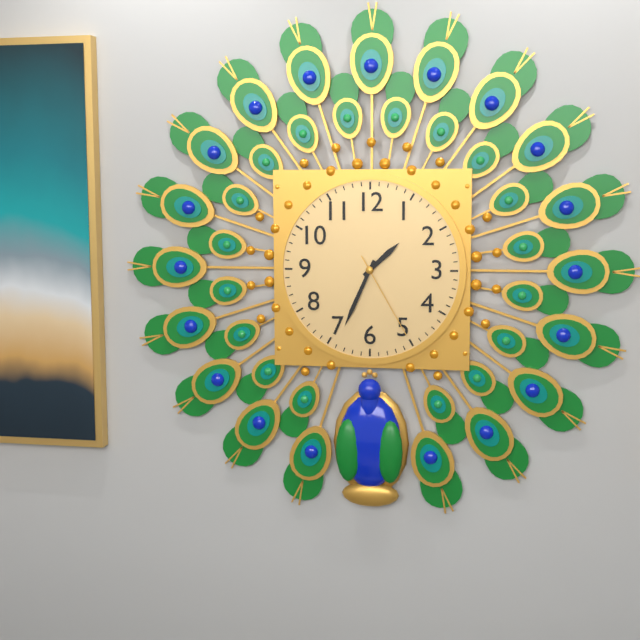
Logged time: 1:34:25
